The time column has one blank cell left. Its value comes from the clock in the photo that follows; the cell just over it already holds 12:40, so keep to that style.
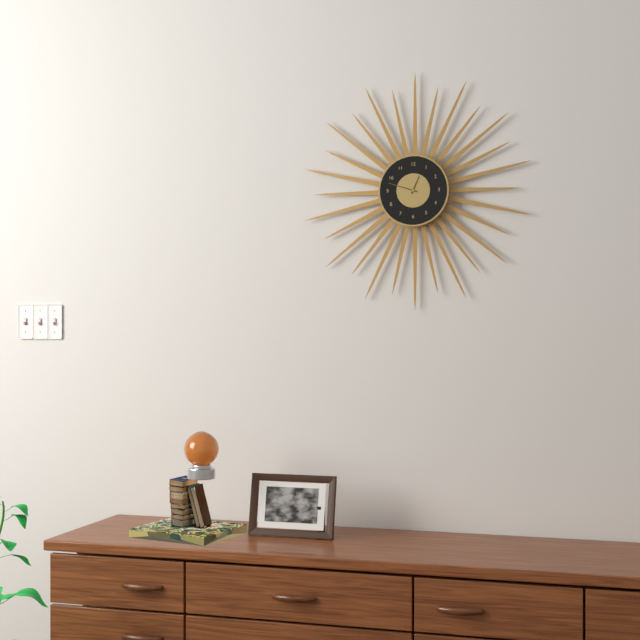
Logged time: 12:48
